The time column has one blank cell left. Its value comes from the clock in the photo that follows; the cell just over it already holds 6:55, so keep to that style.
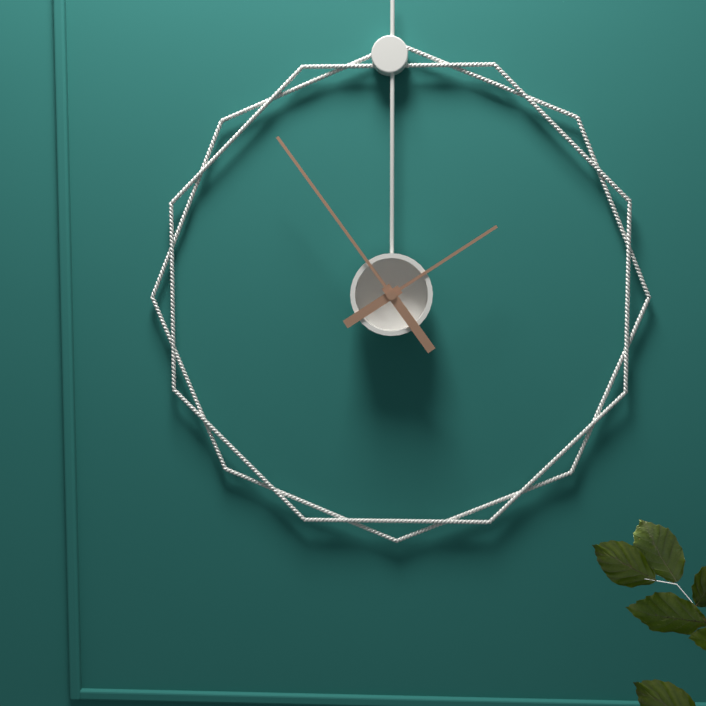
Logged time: 1:54
